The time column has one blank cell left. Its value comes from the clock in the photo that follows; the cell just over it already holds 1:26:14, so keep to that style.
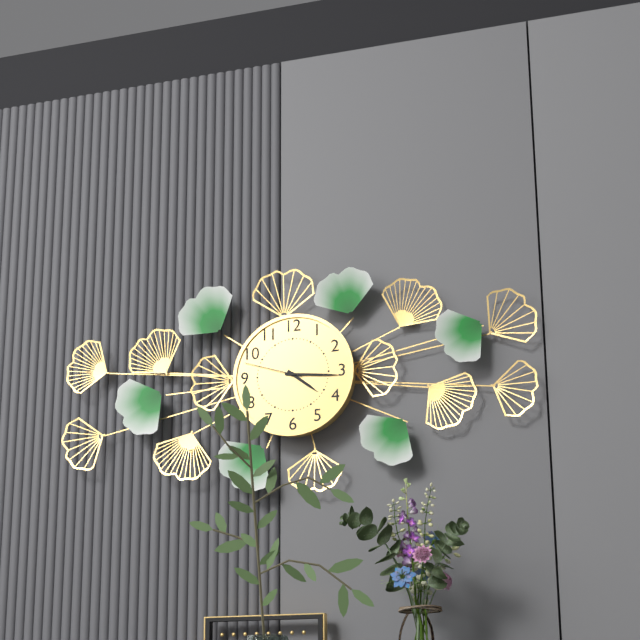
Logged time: 4:16:48
